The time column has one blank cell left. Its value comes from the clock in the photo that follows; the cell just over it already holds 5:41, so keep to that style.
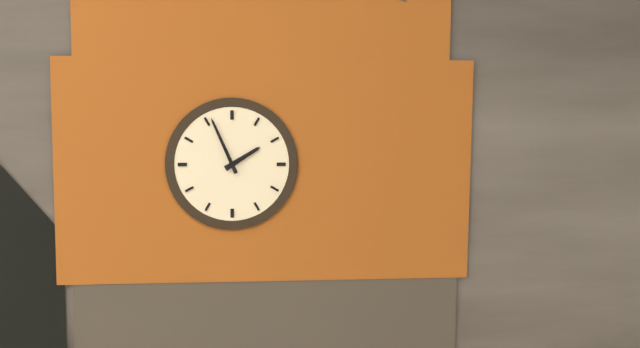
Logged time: 1:56
